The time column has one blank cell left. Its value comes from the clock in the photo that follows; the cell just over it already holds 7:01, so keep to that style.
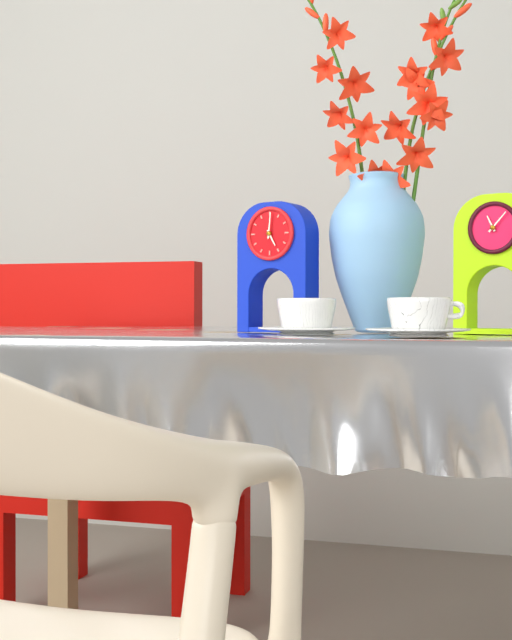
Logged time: 5:01
